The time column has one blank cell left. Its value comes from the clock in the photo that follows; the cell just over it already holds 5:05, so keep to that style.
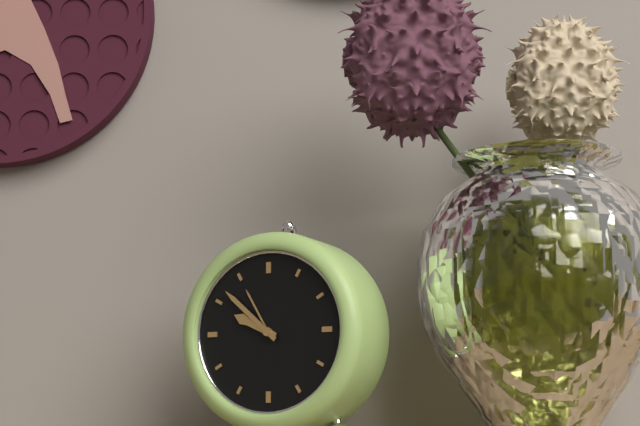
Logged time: 9:52
